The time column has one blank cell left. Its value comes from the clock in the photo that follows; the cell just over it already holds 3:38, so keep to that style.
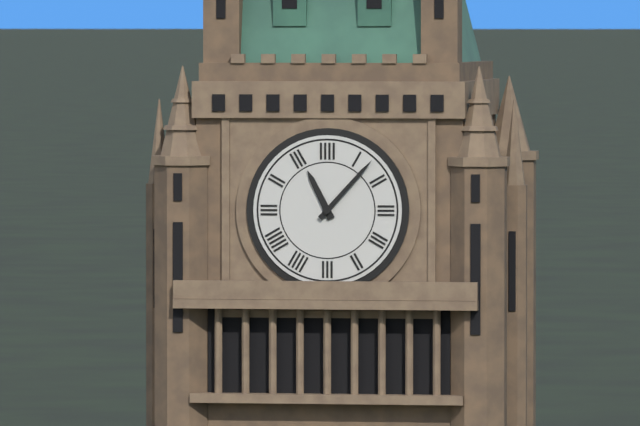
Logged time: 11:07
